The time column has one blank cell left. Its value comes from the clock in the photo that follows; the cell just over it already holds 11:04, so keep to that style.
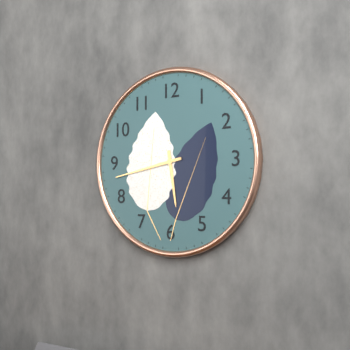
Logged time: 5:43
